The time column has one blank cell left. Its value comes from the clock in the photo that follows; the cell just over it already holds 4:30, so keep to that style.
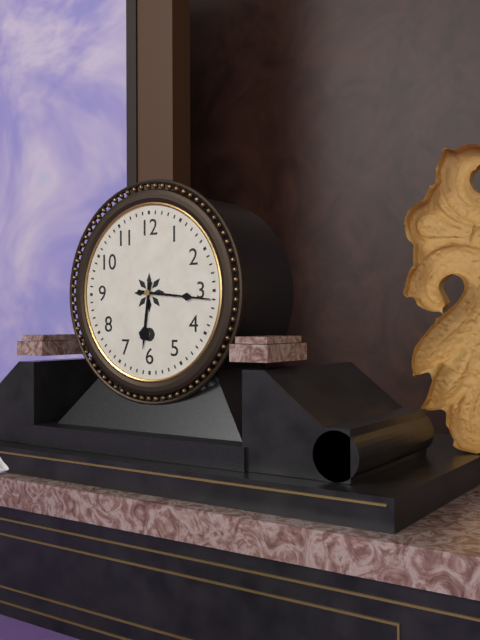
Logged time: 6:16
